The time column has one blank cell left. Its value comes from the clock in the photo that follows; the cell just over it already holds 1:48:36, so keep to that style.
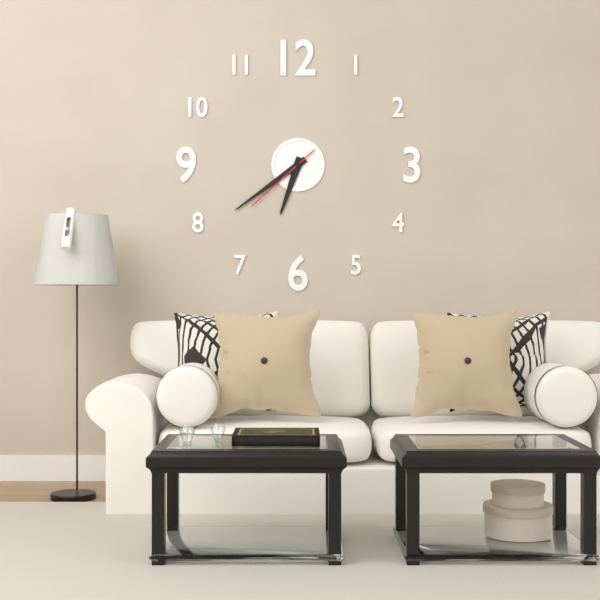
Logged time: 6:39:38
